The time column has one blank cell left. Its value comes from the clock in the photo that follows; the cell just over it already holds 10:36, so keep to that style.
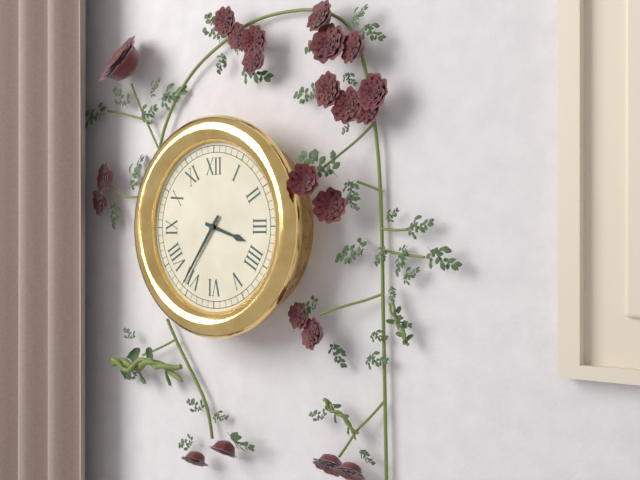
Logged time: 3:36
